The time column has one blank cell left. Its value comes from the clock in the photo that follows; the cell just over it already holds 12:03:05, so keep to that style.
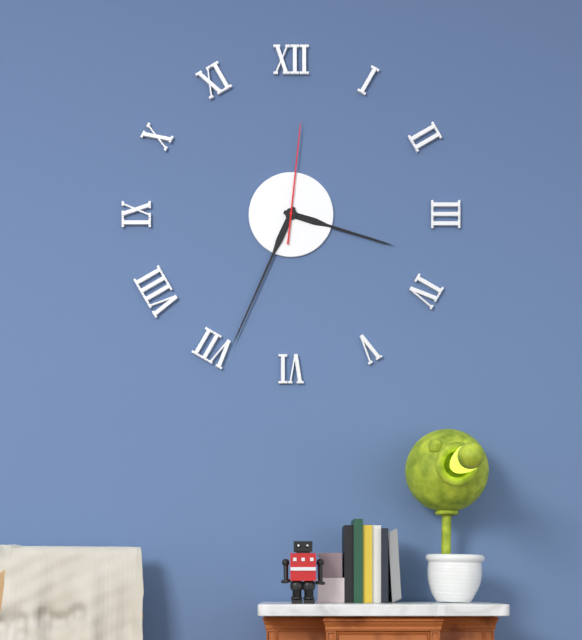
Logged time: 3:34:01
